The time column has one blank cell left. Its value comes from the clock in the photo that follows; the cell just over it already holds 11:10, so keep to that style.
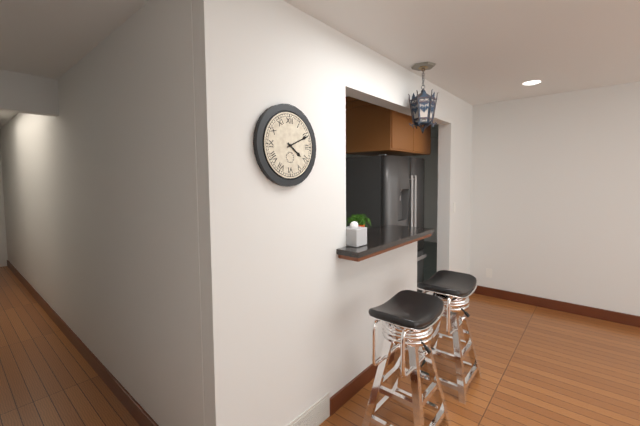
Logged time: 4:11
